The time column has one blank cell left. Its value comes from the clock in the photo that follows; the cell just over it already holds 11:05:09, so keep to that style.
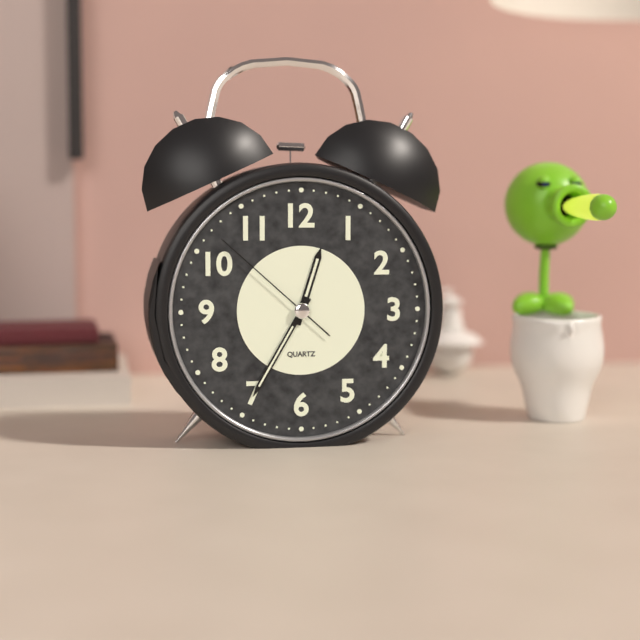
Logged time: 12:35:52
